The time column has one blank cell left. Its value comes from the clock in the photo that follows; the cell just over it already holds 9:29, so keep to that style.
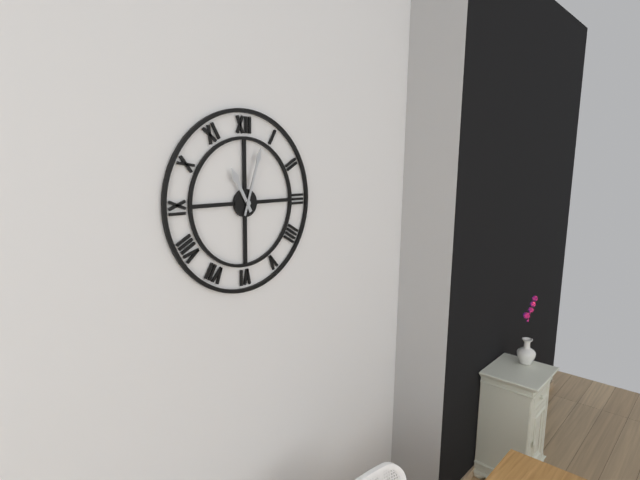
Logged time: 11:03
